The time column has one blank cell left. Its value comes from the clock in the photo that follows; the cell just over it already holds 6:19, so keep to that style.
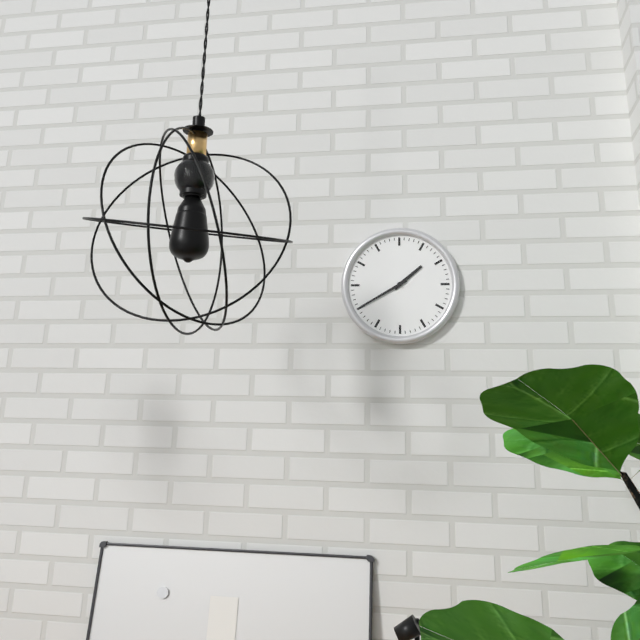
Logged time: 1:40
